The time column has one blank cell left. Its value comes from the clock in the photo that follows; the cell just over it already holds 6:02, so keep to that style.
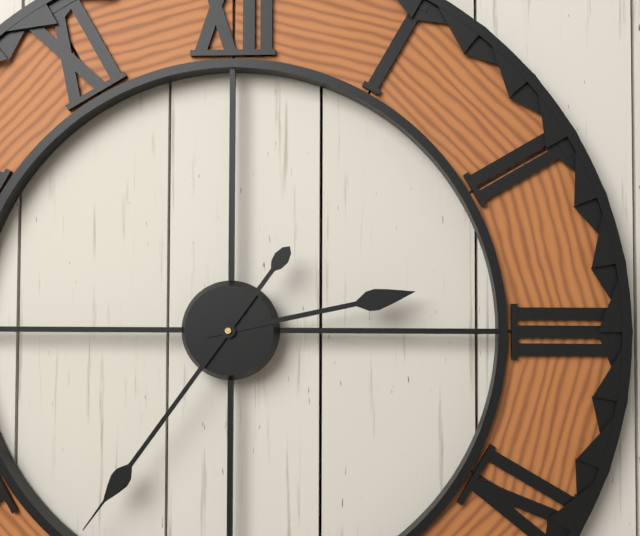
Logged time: 2:36
